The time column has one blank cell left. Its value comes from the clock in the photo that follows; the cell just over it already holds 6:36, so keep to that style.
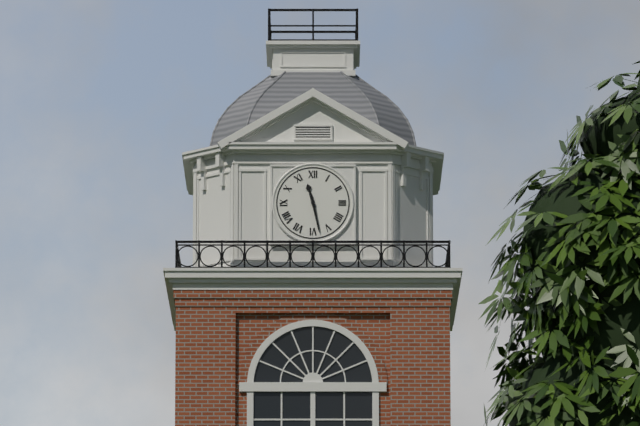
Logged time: 11:28
